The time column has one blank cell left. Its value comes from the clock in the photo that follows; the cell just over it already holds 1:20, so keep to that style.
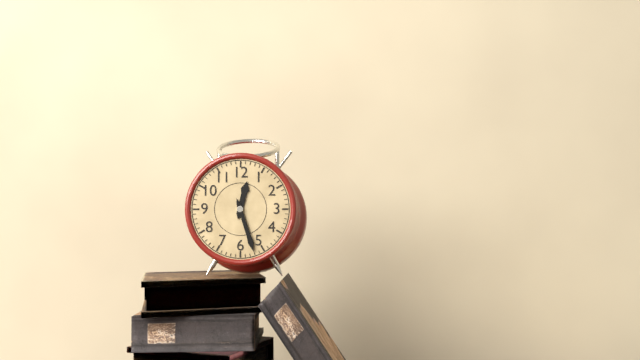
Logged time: 12:27
